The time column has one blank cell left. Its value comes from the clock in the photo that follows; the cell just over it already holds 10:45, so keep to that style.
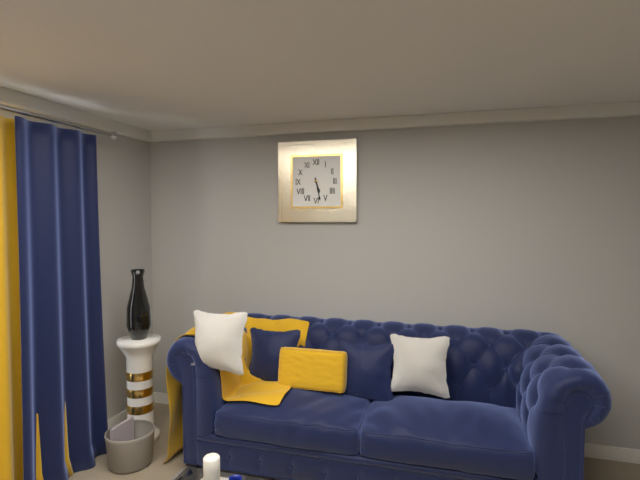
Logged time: 5:28
